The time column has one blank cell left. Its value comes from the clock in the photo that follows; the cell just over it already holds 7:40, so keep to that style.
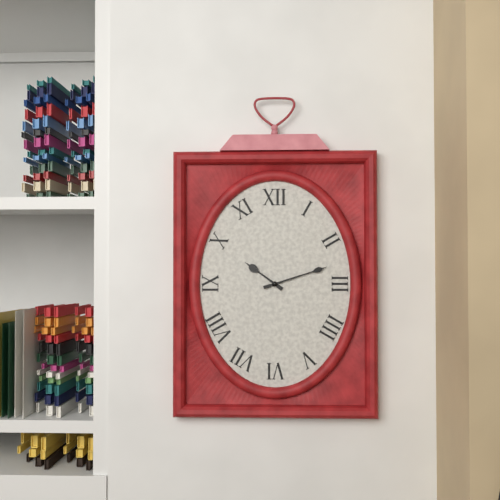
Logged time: 10:12
